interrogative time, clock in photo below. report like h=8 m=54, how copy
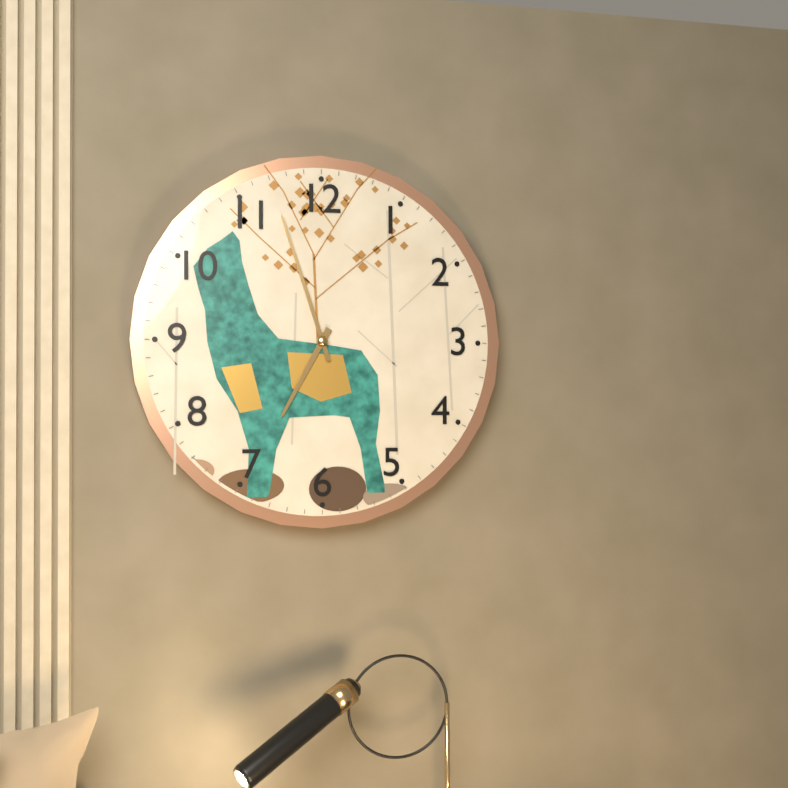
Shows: h=6 m=57
